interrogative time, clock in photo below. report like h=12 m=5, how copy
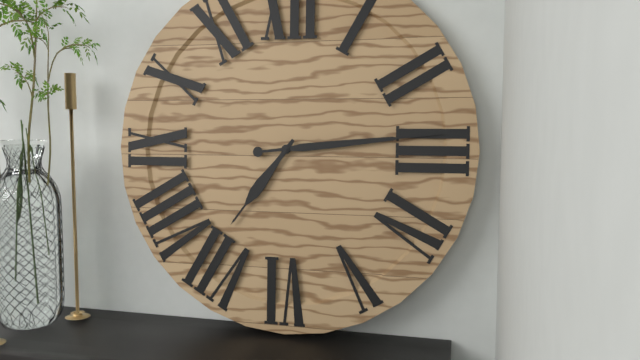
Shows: h=7 m=14
